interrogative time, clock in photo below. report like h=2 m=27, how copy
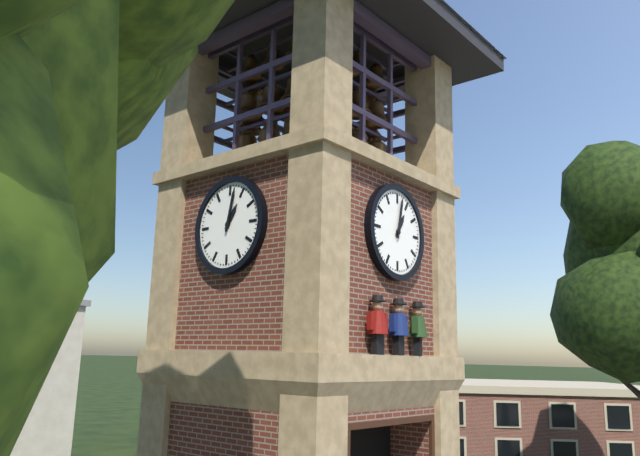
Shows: h=1 m=2
